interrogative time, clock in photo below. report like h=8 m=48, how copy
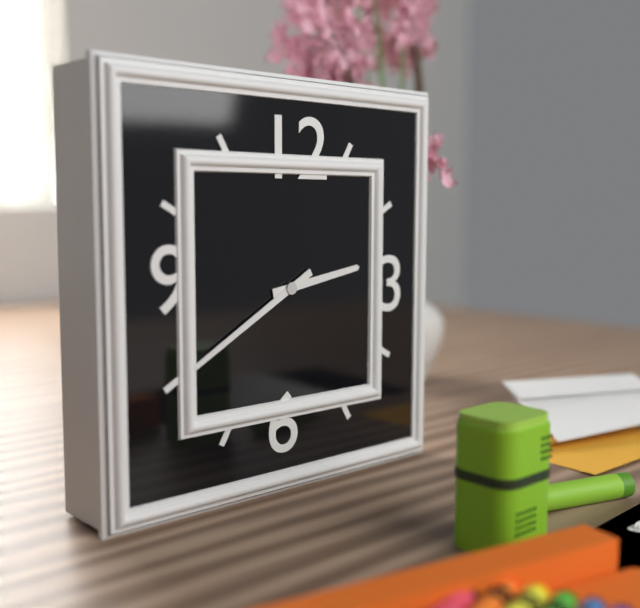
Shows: h=2 m=40
